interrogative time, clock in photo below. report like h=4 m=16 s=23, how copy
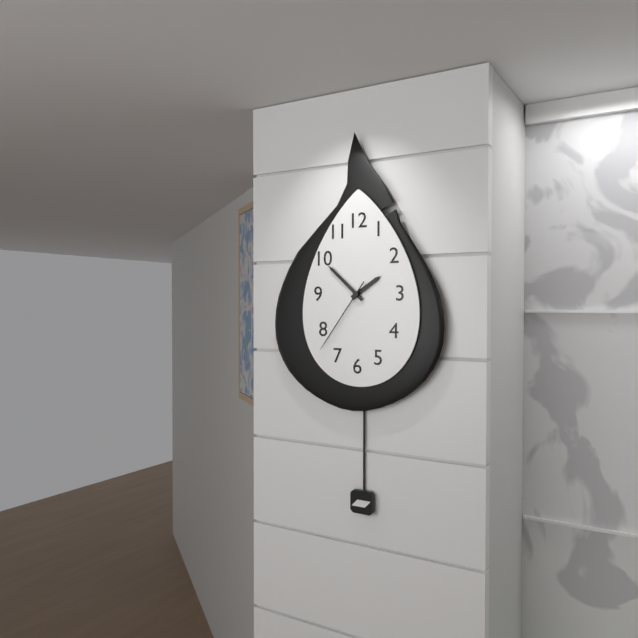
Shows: h=1 m=52 s=36
